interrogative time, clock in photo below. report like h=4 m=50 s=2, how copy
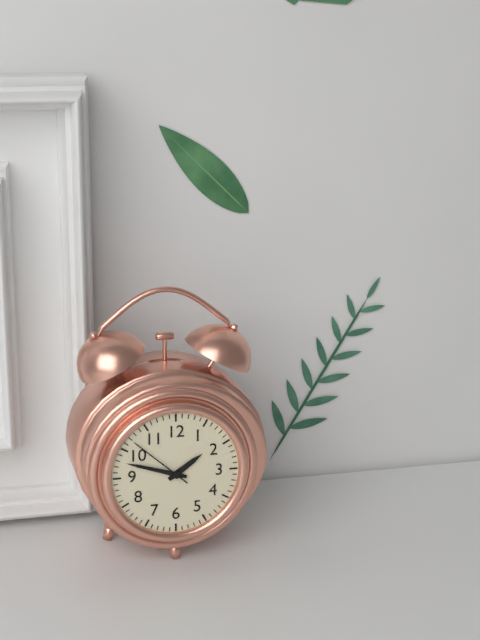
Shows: h=1 m=48 s=52
